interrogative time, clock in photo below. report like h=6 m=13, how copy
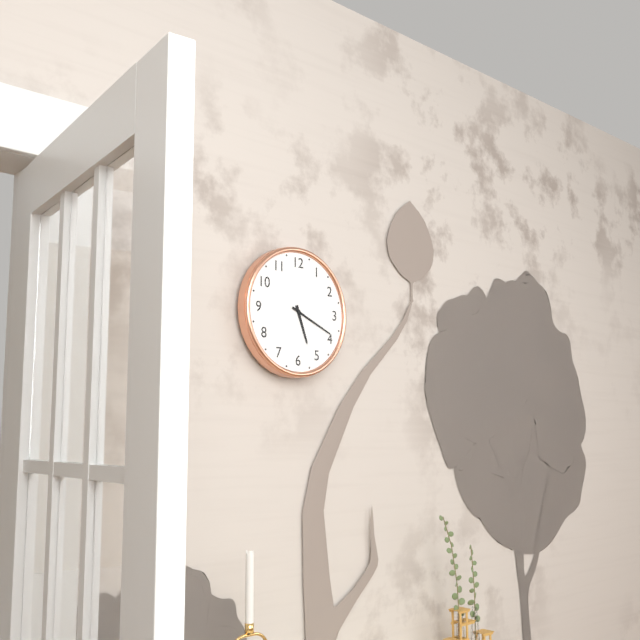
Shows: h=5 m=19
